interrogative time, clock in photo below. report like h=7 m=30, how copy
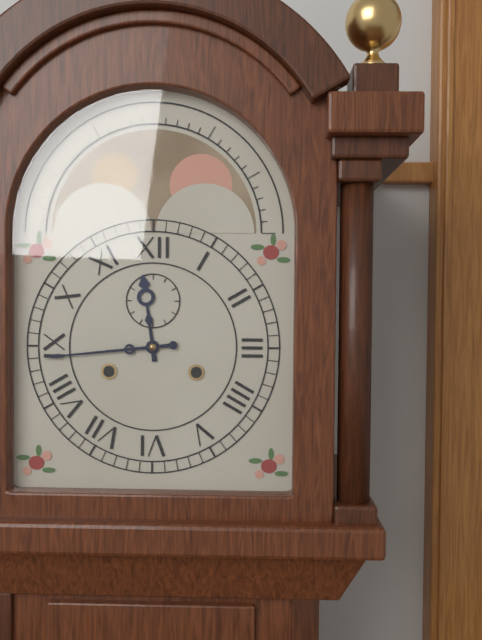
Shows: h=11 m=44
